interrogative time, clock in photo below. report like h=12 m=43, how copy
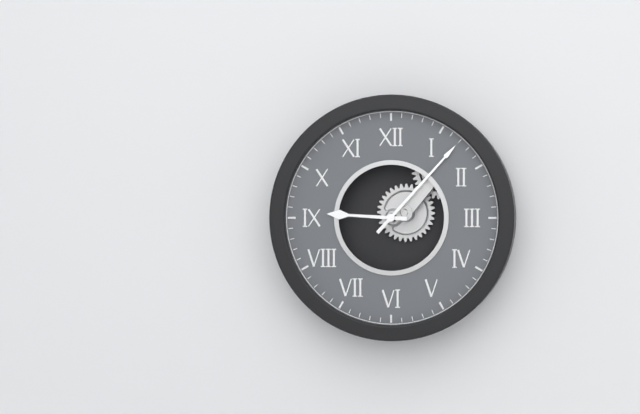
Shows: h=9 m=7
